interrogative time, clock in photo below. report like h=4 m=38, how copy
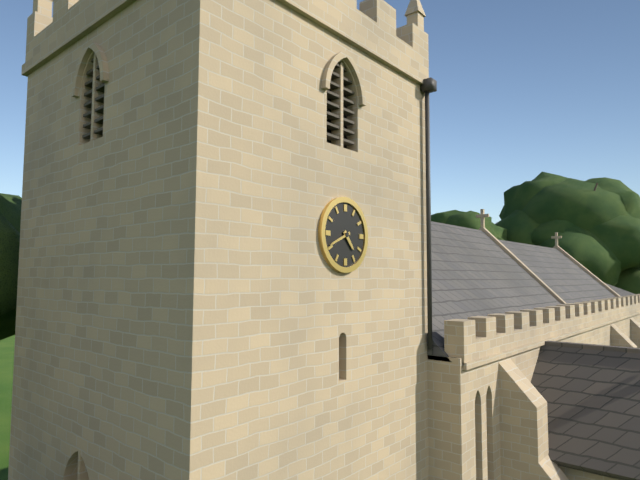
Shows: h=4 m=41
